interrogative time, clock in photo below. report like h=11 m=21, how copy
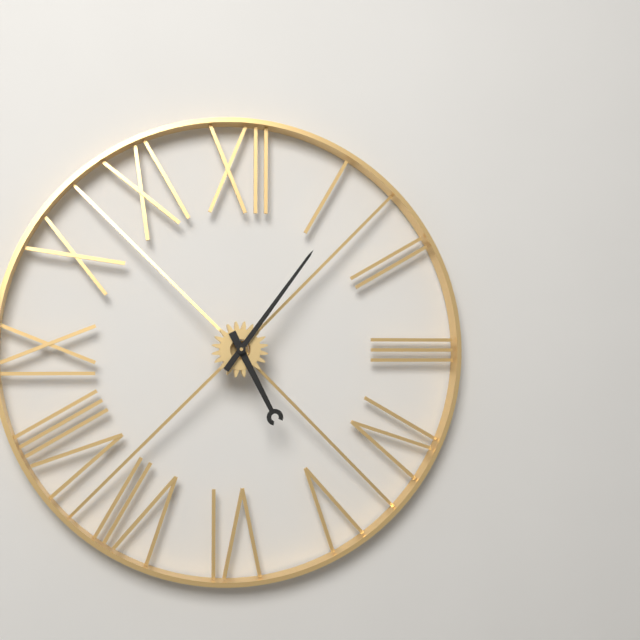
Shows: h=5 m=6
